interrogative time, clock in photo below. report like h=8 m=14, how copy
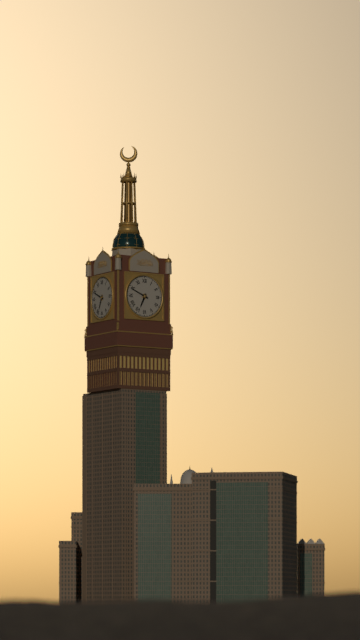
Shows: h=6 m=49
